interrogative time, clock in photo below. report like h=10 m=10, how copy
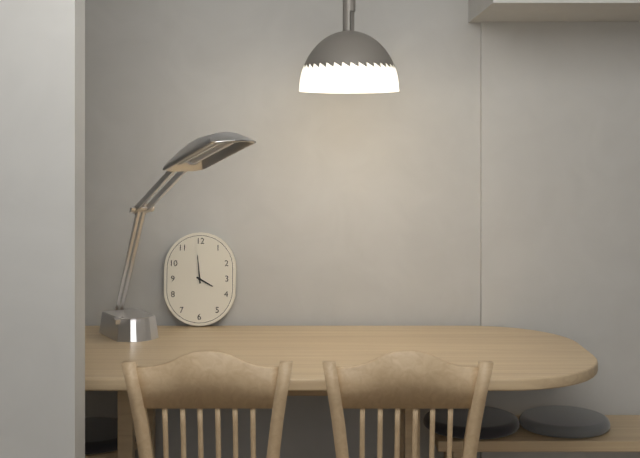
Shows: h=3 m=59
